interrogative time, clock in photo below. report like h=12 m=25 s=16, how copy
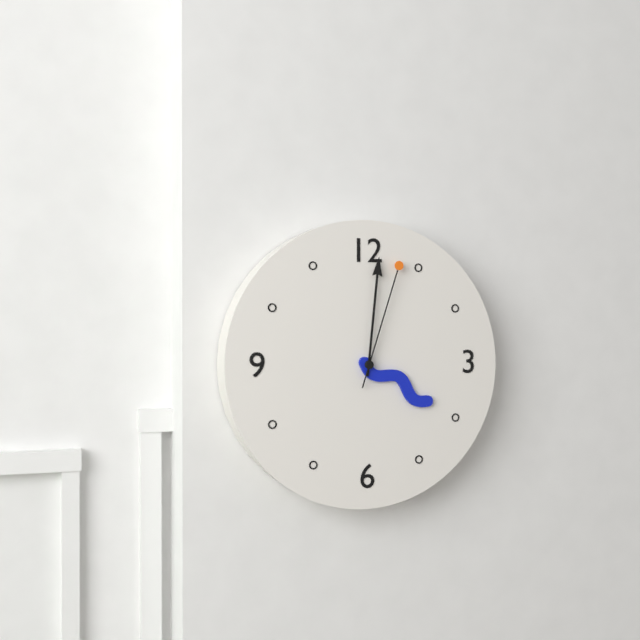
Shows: h=4 m=1 s=3
